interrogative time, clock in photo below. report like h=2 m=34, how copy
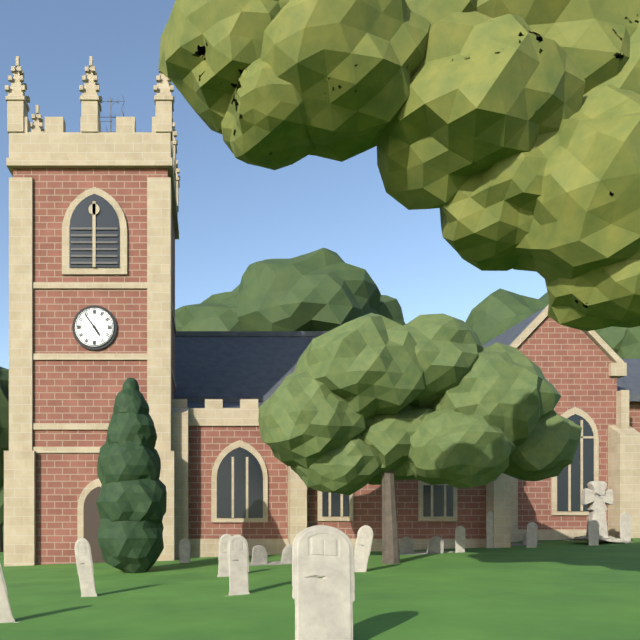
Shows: h=4 m=54
